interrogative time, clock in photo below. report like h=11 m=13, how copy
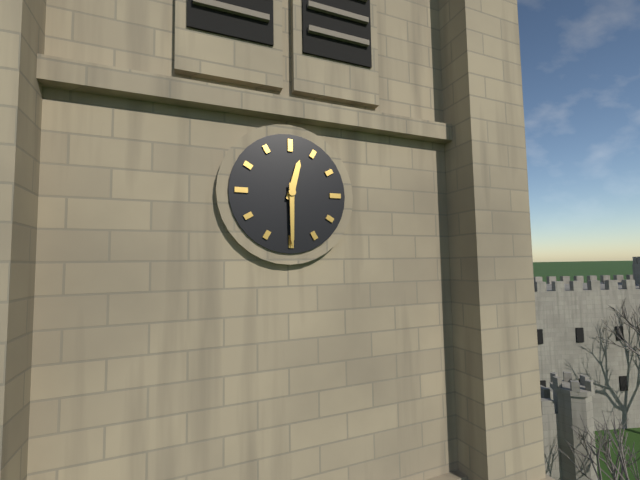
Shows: h=12 m=30
